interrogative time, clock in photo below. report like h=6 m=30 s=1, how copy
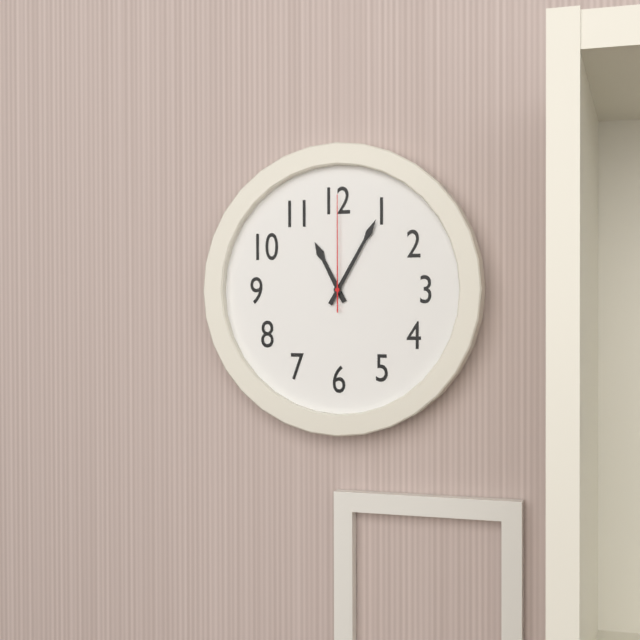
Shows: h=11 m=5 s=0
